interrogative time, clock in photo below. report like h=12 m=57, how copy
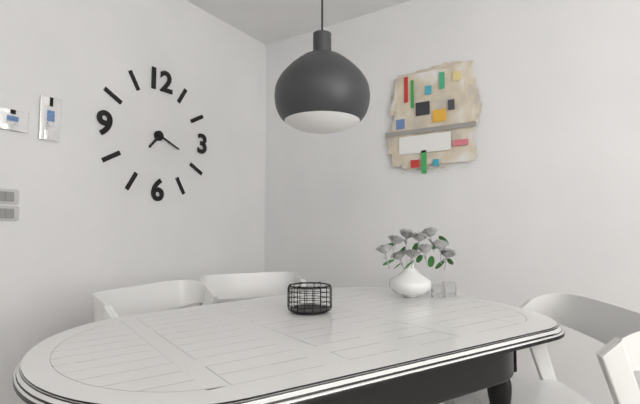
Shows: h=7 m=19
